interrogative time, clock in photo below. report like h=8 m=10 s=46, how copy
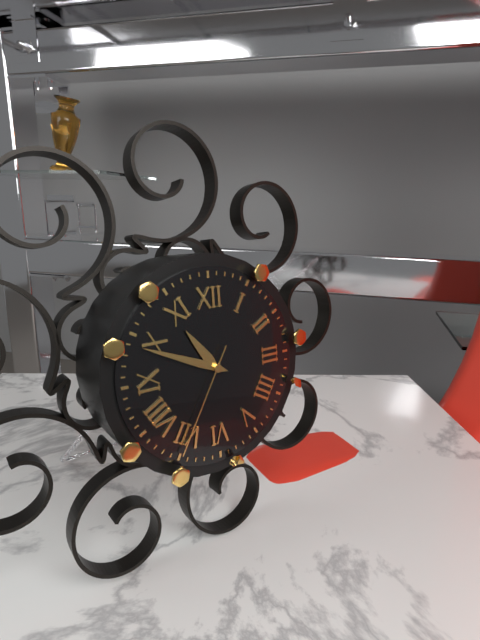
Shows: h=10 m=49 s=35
